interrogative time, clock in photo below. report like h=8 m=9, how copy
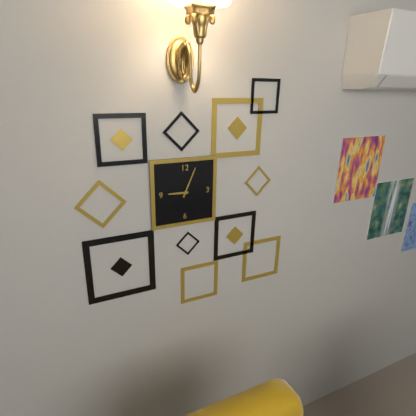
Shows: h=9 m=4
